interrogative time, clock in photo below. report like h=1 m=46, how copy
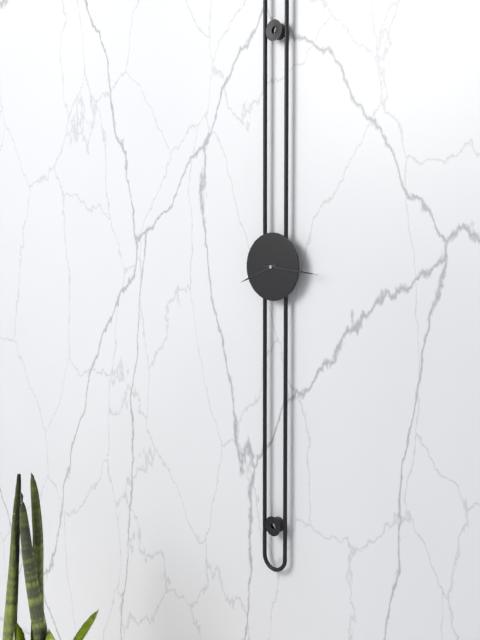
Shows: h=8 m=16
